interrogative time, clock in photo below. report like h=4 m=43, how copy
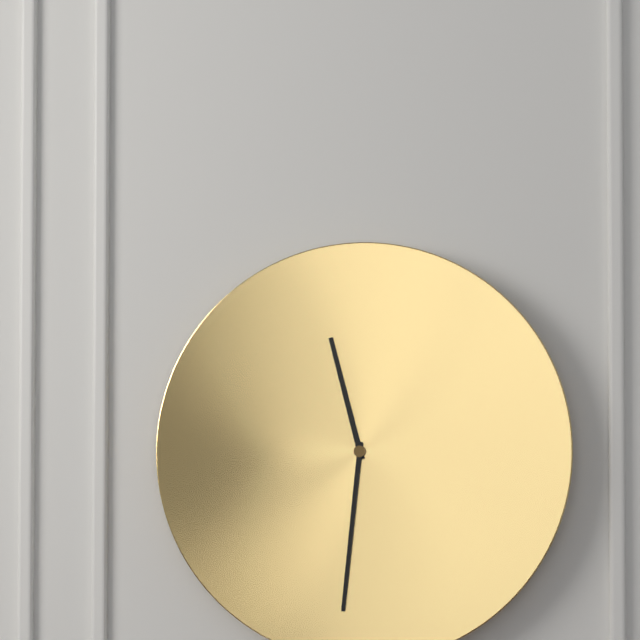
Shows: h=11 m=31
